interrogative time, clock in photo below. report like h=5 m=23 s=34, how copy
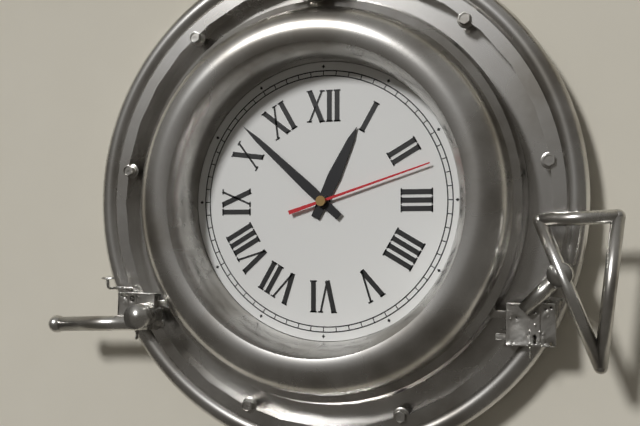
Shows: h=12 m=52 s=12
